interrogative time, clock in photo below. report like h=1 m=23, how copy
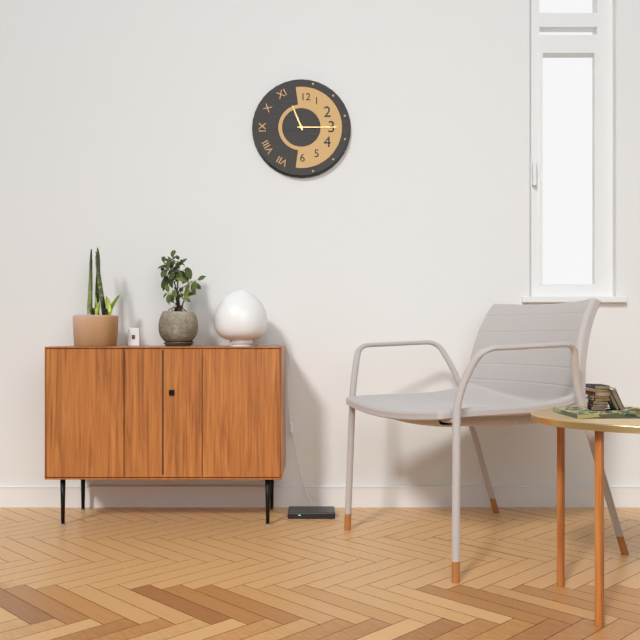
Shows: h=11 m=15
